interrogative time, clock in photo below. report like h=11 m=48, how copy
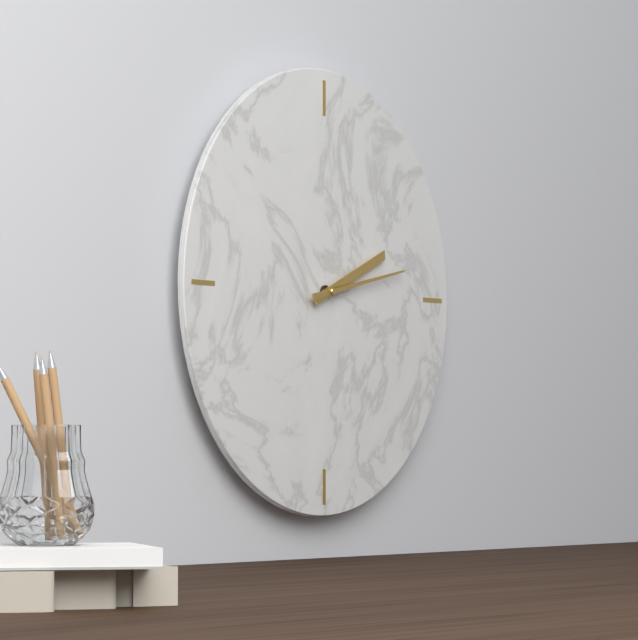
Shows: h=2 m=13
